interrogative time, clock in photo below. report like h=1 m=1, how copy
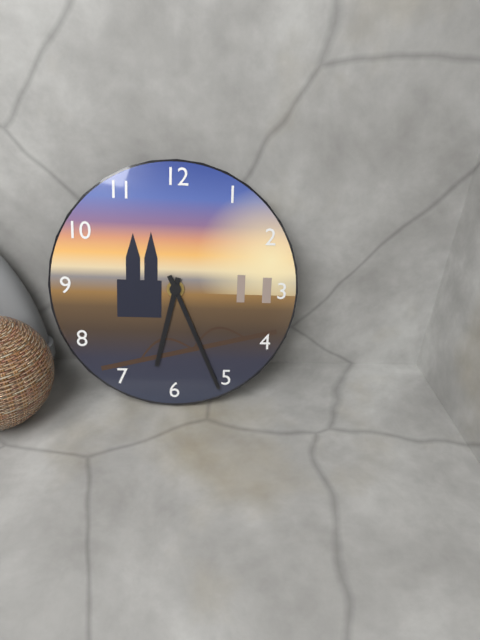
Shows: h=6 m=26
